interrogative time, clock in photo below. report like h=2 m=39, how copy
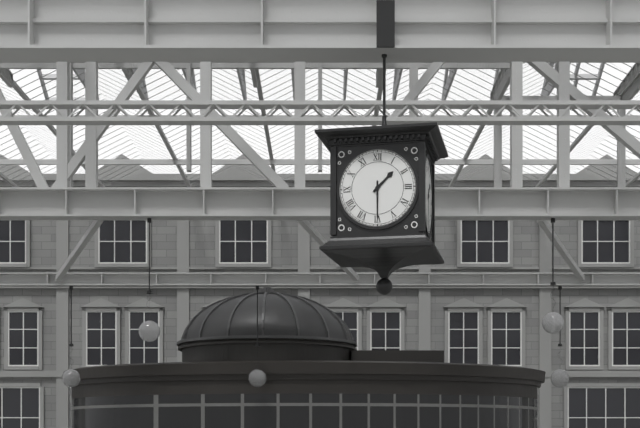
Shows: h=1 m=30
